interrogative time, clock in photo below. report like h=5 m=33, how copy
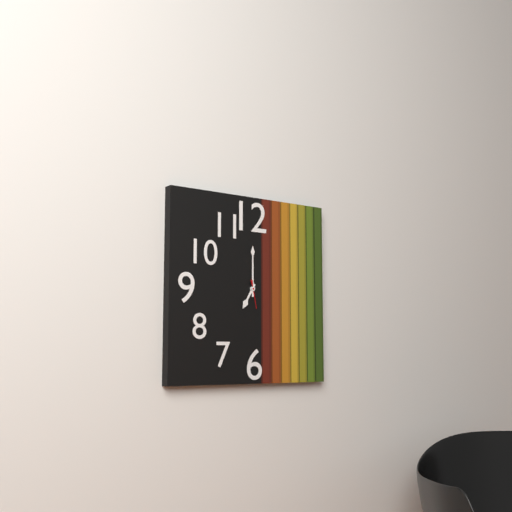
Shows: h=7 m=0
